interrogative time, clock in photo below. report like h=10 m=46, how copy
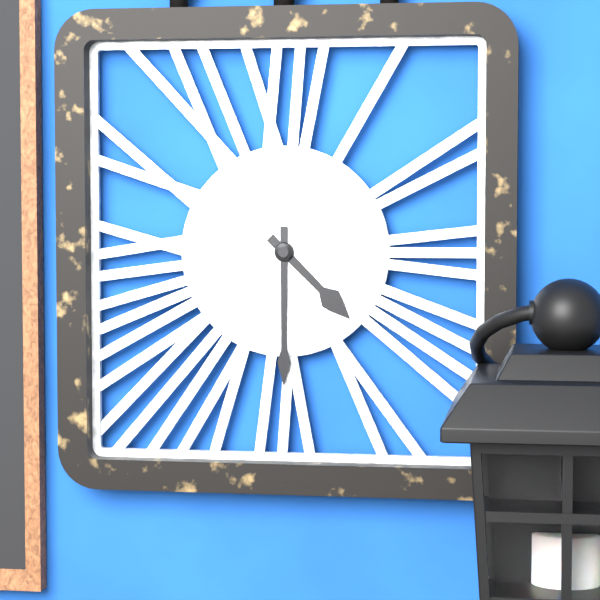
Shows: h=4 m=30
